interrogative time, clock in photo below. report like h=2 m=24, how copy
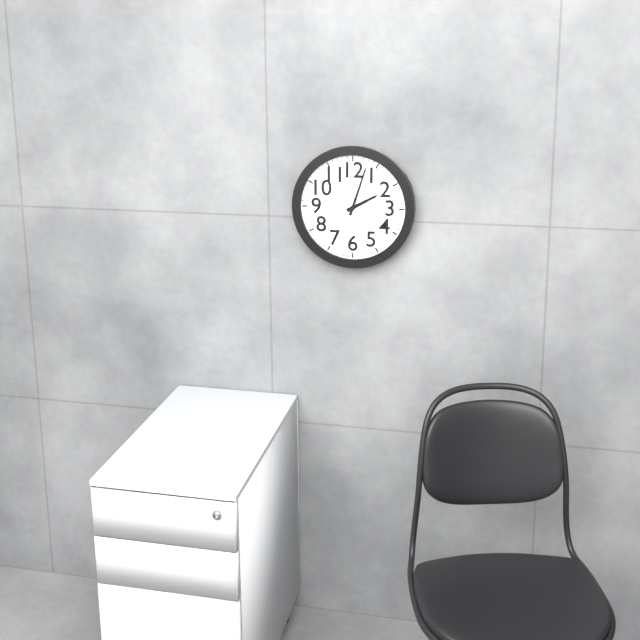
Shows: h=2 m=3
